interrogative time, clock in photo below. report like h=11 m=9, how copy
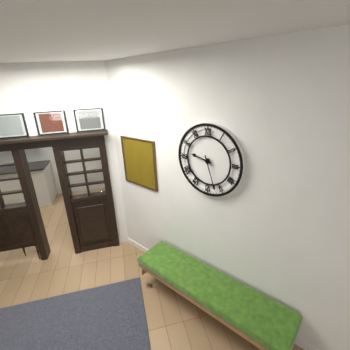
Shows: h=9 m=27
